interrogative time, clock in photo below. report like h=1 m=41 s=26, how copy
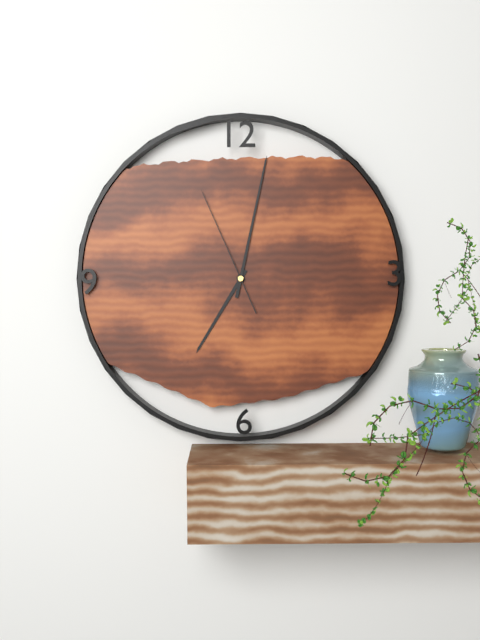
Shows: h=7 m=2 s=56
